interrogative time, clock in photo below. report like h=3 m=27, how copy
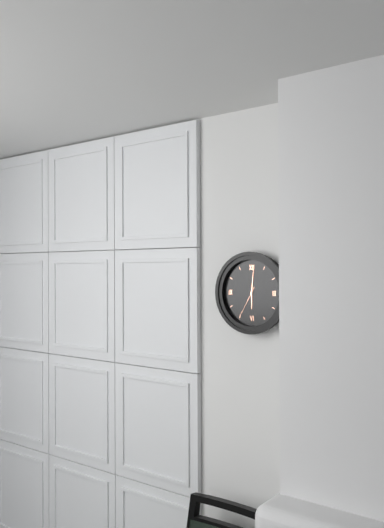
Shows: h=6 m=1
